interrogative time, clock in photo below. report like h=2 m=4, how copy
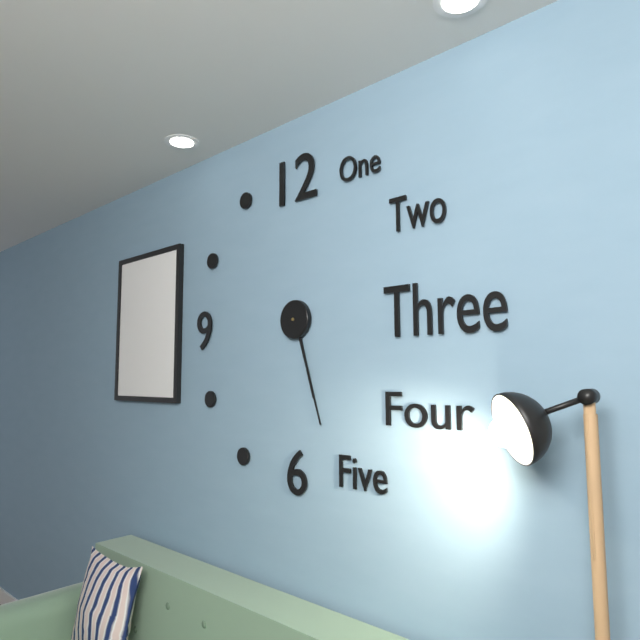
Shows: h=5 m=27
